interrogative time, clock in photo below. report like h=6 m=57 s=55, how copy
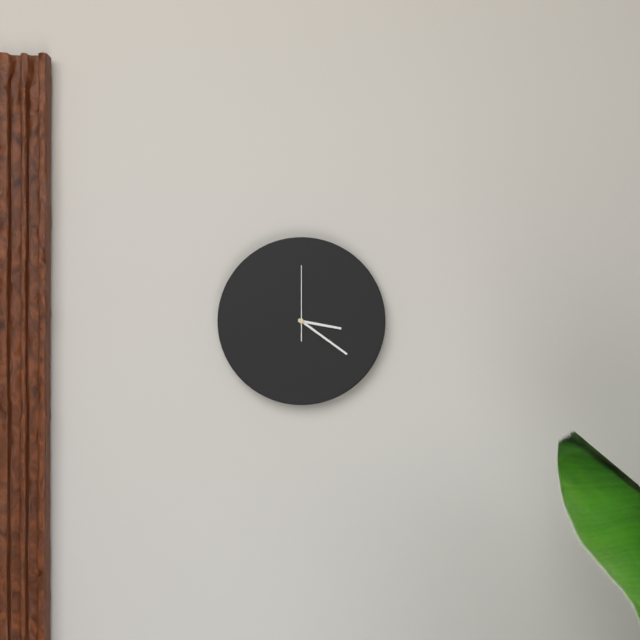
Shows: h=3 m=21 s=0
